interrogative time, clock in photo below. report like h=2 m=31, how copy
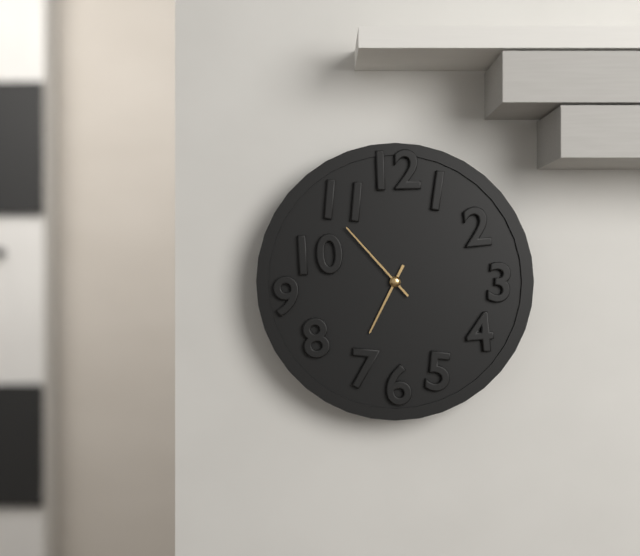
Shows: h=6 m=53
